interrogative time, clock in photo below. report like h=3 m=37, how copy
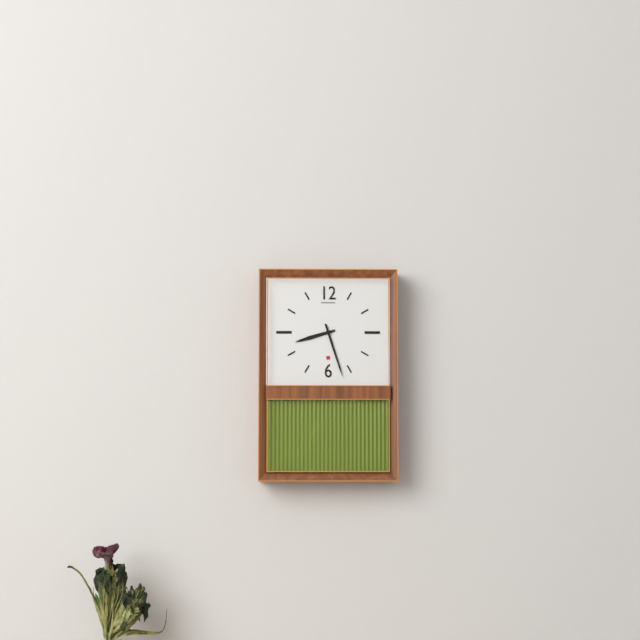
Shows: h=8 m=27
